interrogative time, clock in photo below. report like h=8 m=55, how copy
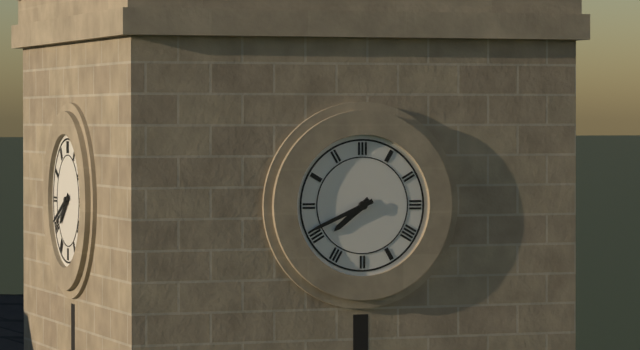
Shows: h=7 m=41
